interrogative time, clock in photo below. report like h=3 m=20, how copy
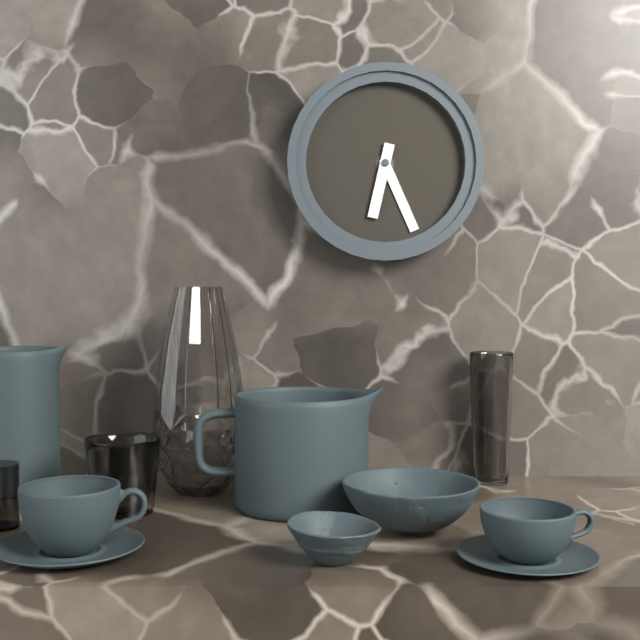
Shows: h=6 m=26
